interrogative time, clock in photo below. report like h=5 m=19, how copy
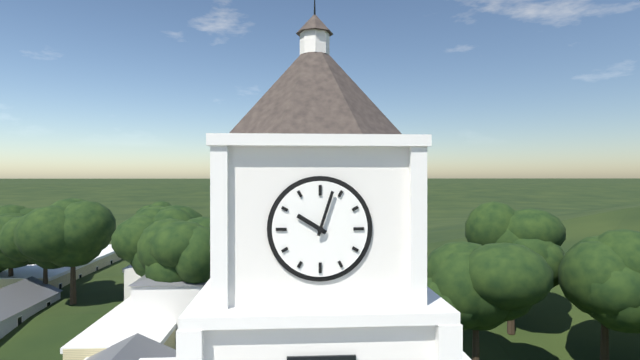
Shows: h=10 m=3
